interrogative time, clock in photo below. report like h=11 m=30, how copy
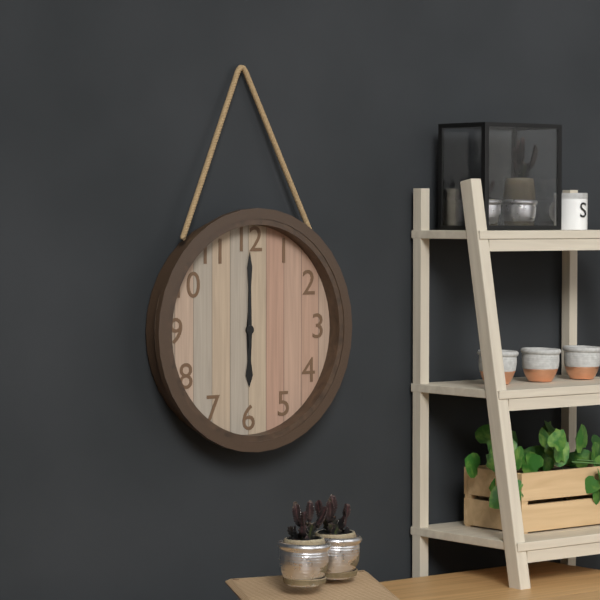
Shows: h=6 m=0
